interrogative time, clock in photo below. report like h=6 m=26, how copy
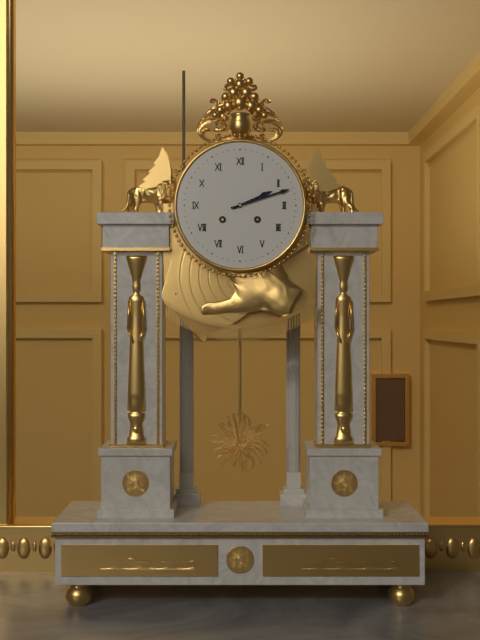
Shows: h=2 m=12
